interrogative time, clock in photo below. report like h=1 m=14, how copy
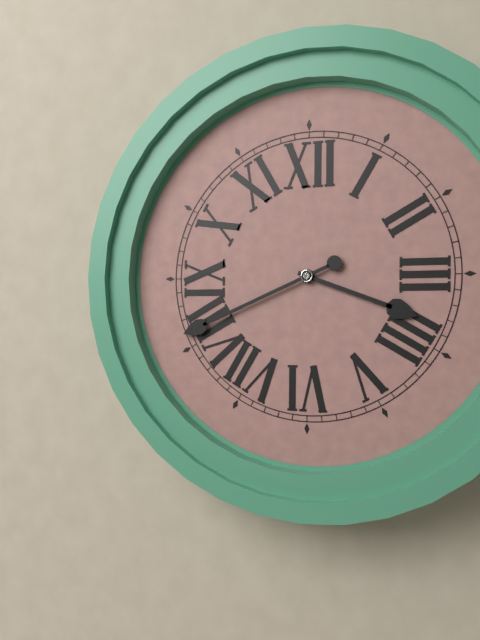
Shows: h=3 m=41
